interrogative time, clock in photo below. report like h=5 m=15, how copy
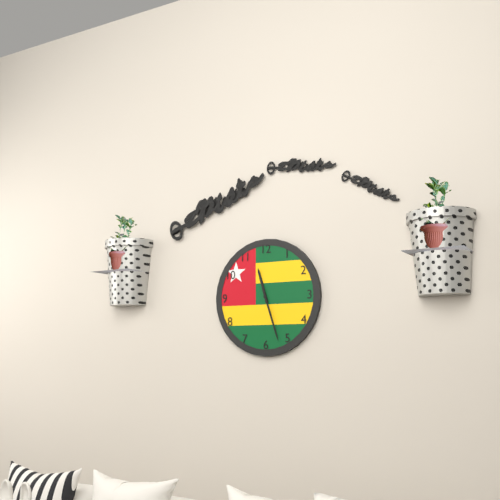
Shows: h=11 m=27
